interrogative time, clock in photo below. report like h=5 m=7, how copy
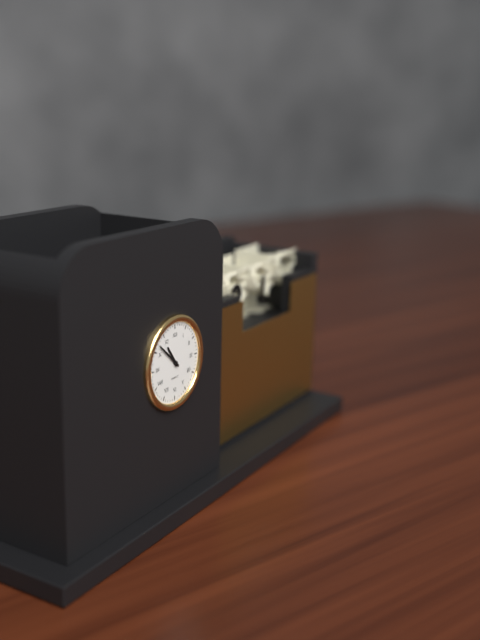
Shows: h=10 m=52
